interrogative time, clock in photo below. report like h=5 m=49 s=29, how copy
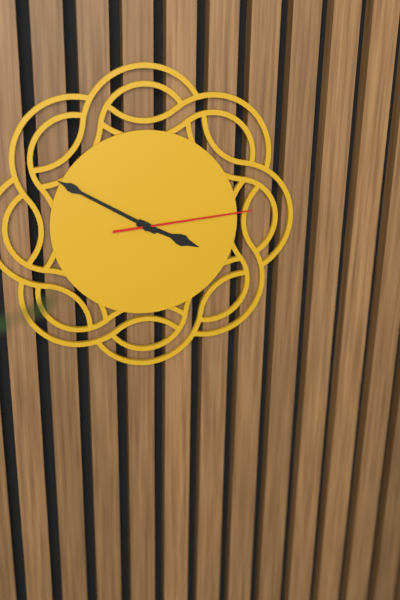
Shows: h=3 m=50 s=14
